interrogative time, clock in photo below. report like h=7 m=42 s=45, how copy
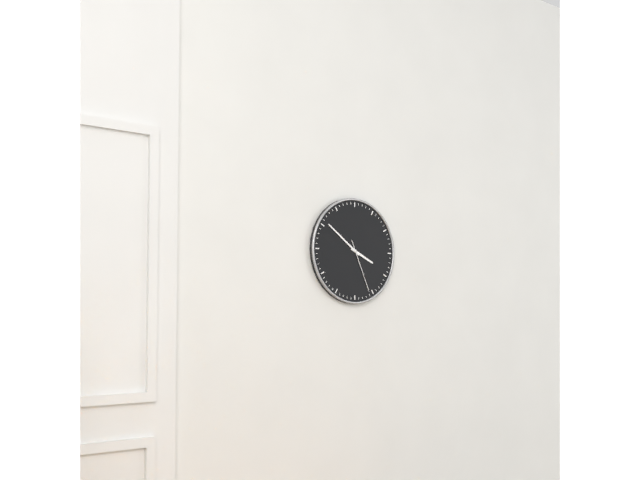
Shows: h=3 m=51 s=26
